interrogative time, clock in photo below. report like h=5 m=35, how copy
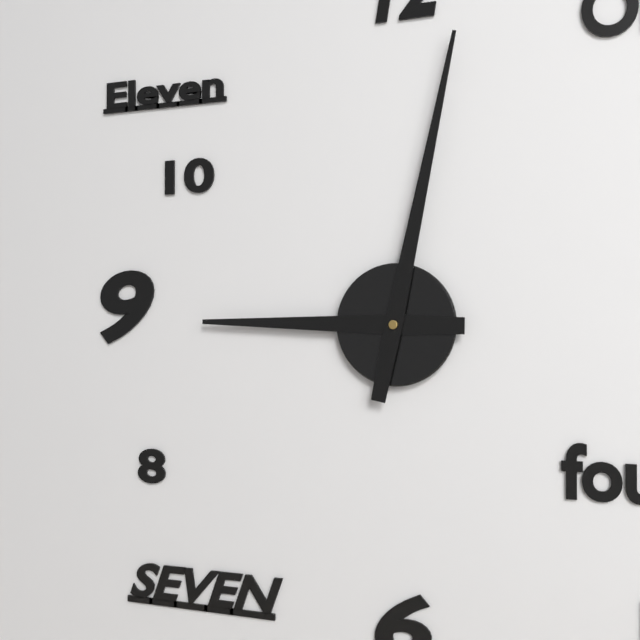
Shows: h=9 m=2
